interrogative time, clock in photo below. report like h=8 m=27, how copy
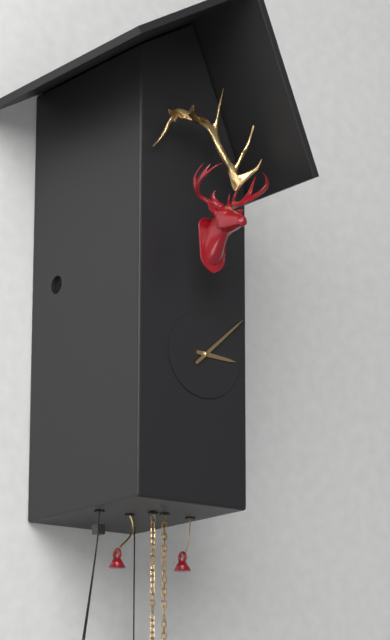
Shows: h=3 m=8
